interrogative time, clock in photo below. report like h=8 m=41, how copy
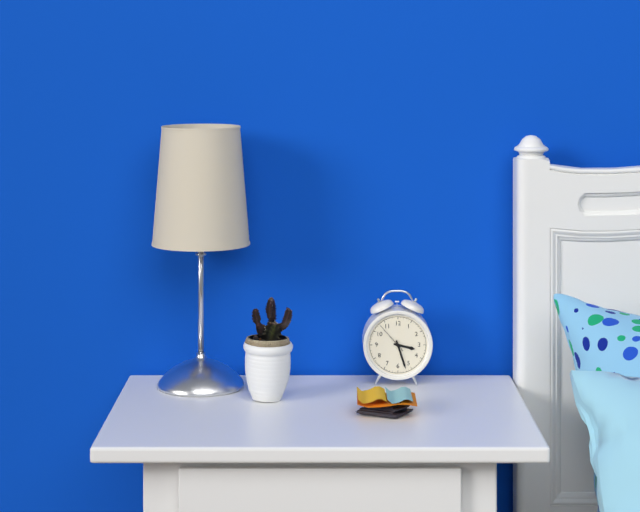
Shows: h=3 m=27
